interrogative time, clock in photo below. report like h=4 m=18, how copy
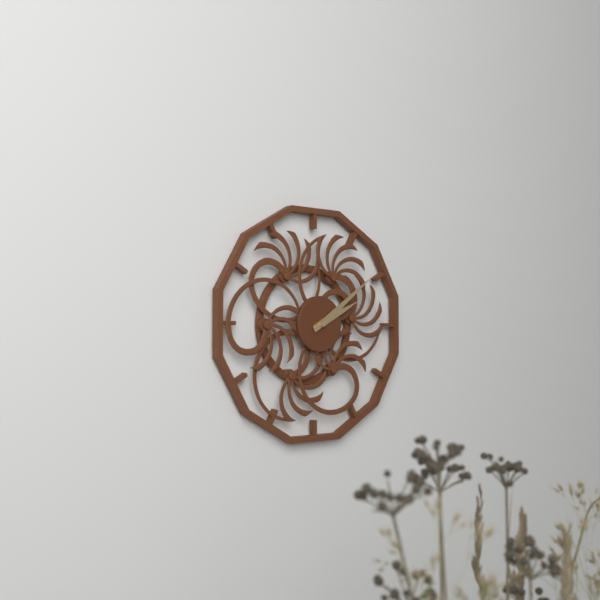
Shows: h=2 m=9
